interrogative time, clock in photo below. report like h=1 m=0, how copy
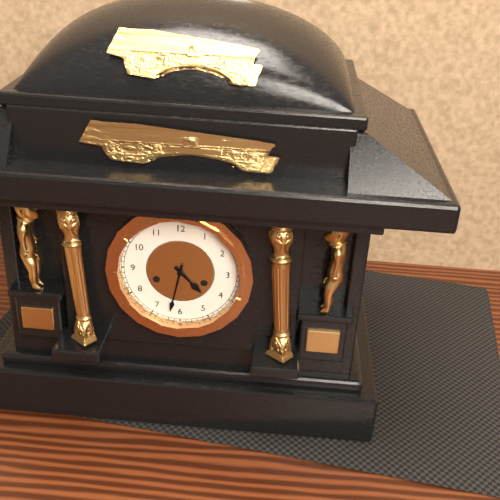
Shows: h=4 m=32
